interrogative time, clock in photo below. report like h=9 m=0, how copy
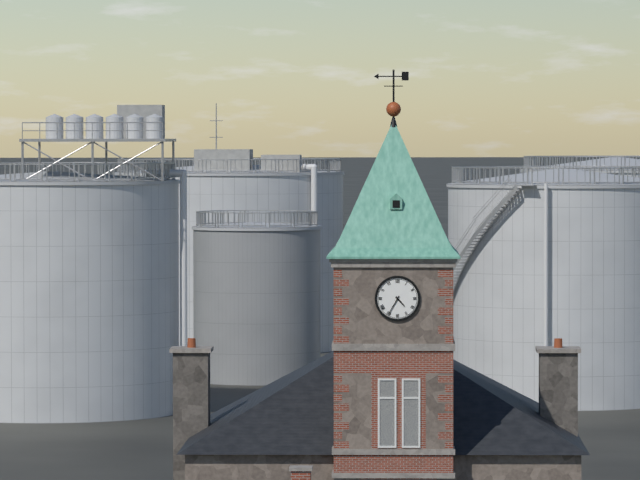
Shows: h=4 m=35
